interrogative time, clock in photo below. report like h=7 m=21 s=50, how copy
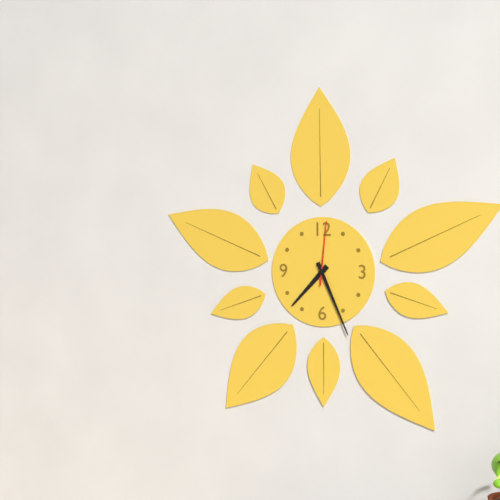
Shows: h=7 m=26 s=1
